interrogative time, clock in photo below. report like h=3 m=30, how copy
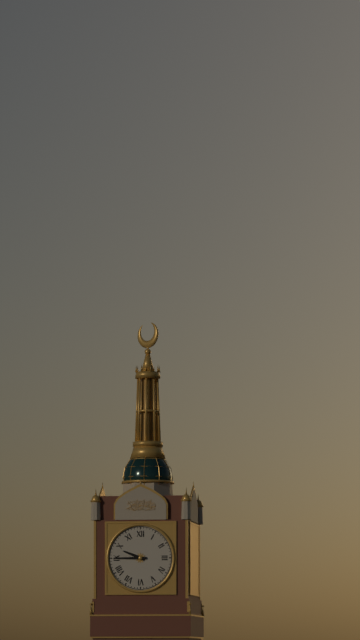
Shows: h=9 m=45
